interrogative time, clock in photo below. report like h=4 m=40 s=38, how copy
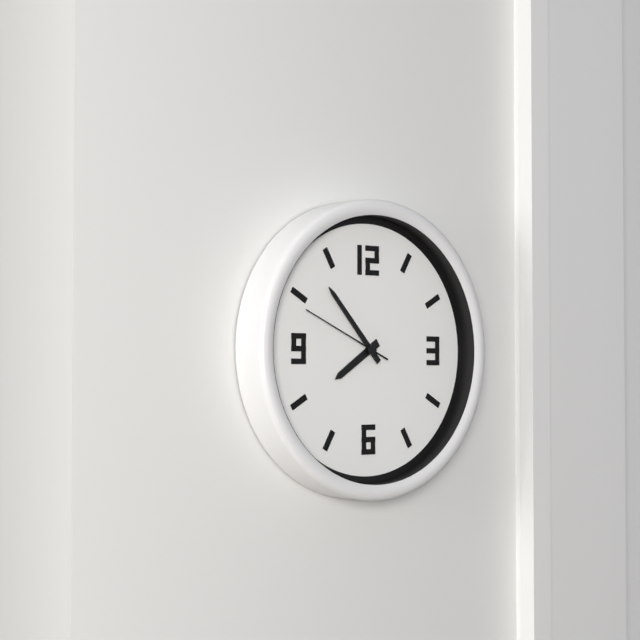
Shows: h=7 m=53 s=49
